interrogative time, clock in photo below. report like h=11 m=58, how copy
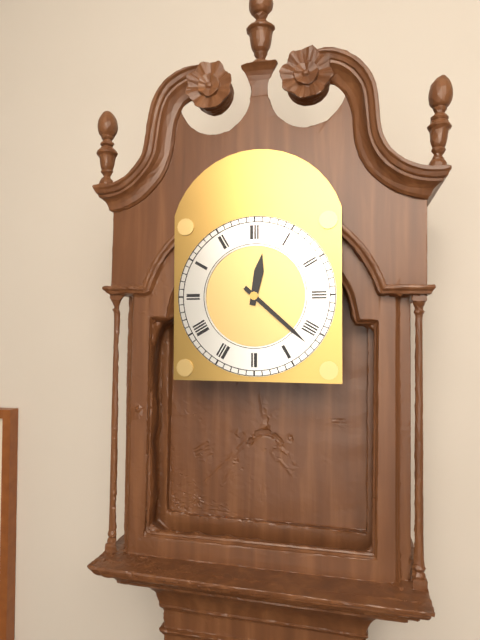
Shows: h=12 m=22
